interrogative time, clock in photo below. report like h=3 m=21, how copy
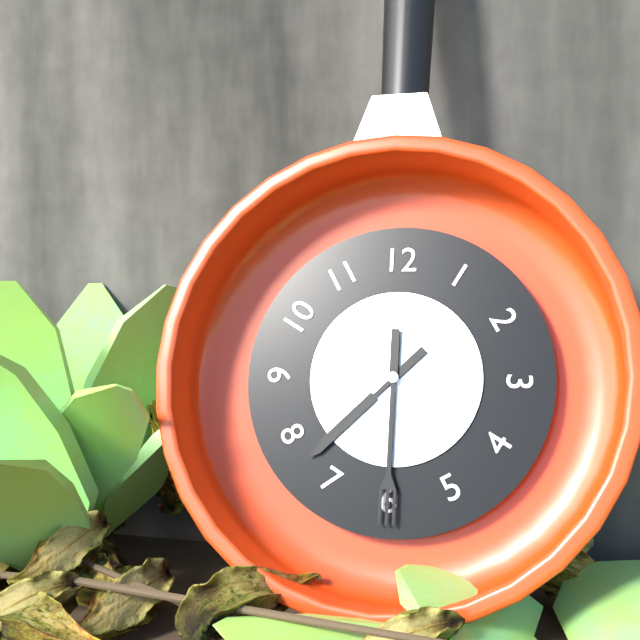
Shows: h=7 m=30
